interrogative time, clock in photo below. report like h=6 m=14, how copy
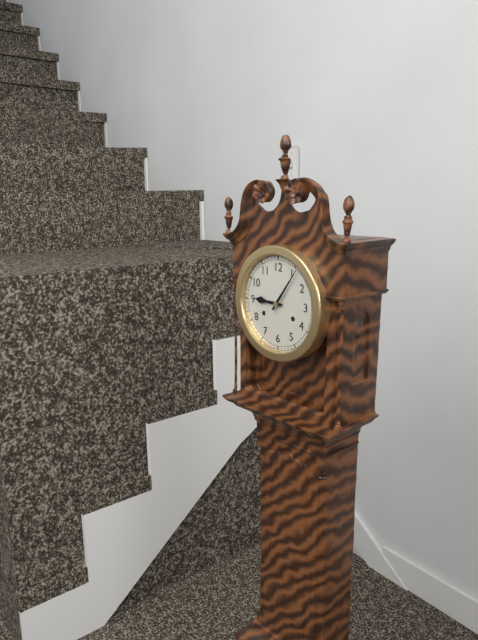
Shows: h=9 m=6
